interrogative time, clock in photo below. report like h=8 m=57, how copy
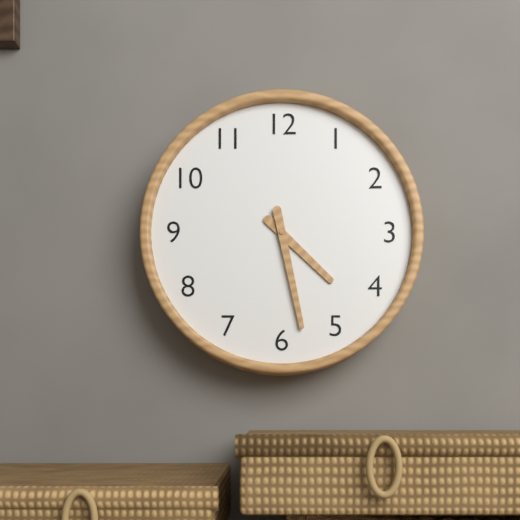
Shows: h=4 m=28
